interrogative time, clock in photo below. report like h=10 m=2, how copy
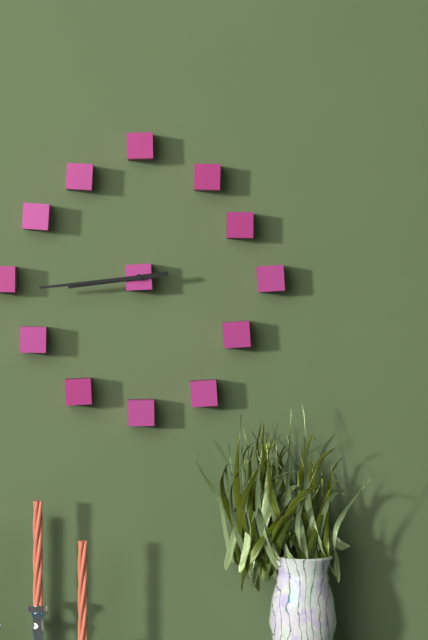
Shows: h=8 m=44
